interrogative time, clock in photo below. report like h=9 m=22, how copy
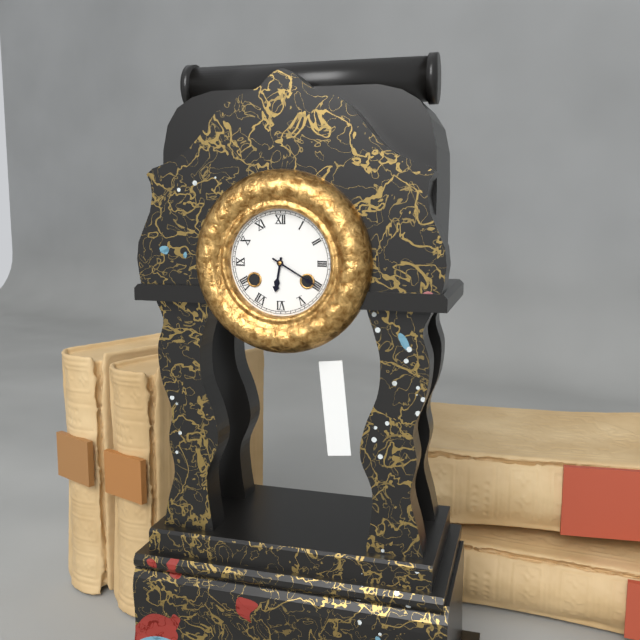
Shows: h=6 m=20
